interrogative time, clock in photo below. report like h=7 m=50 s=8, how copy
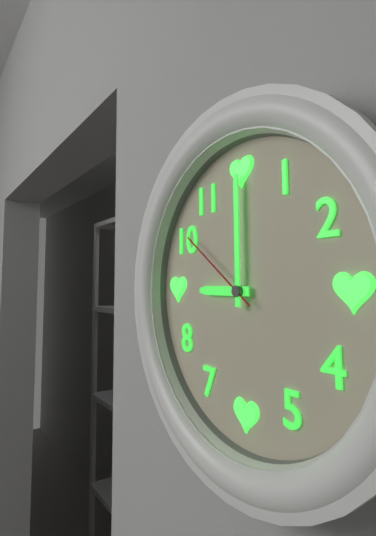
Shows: h=9 m=0 s=51
